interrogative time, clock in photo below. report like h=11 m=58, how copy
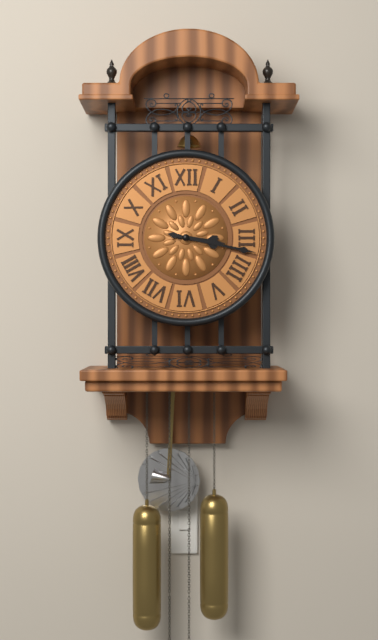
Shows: h=3 m=17
